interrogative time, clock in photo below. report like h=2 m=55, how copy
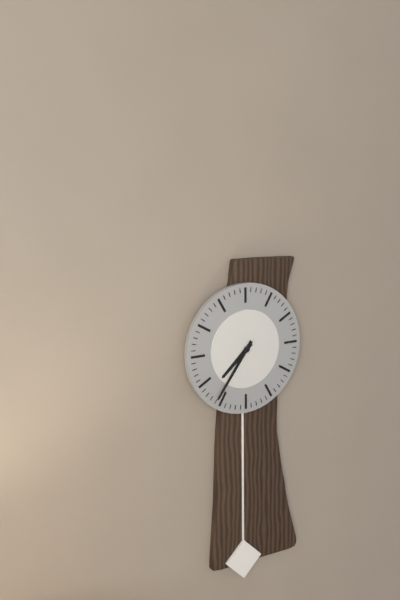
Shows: h=7 m=36
